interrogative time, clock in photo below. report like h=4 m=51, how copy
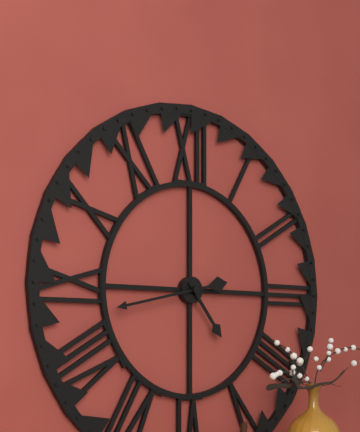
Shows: h=4 m=43
